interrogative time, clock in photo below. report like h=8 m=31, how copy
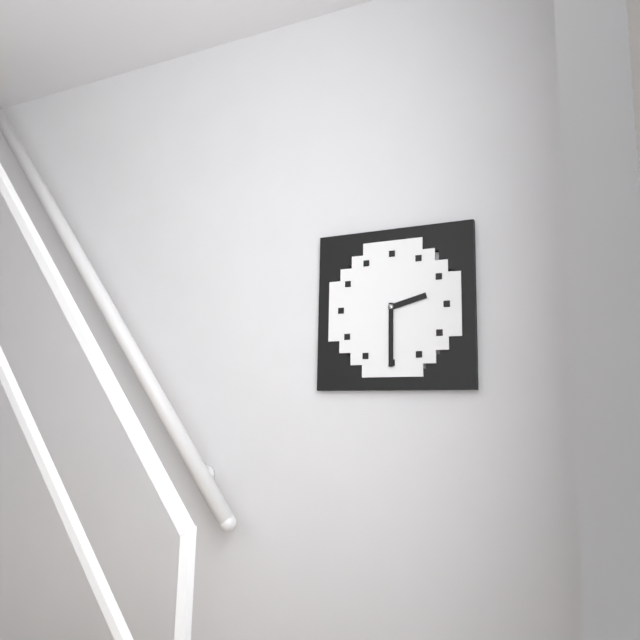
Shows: h=2 m=30
